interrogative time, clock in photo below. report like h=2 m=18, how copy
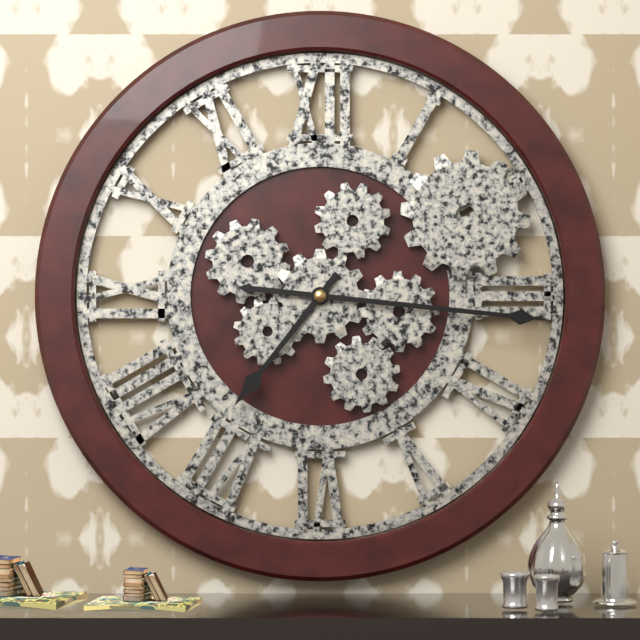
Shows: h=7 m=16
